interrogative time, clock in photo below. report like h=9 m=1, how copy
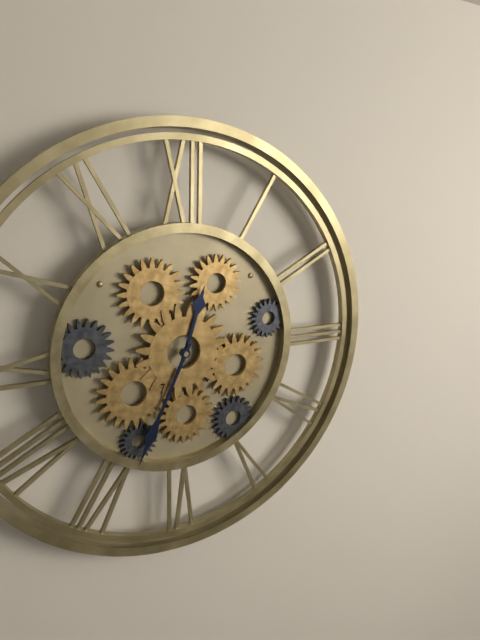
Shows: h=12 m=34
